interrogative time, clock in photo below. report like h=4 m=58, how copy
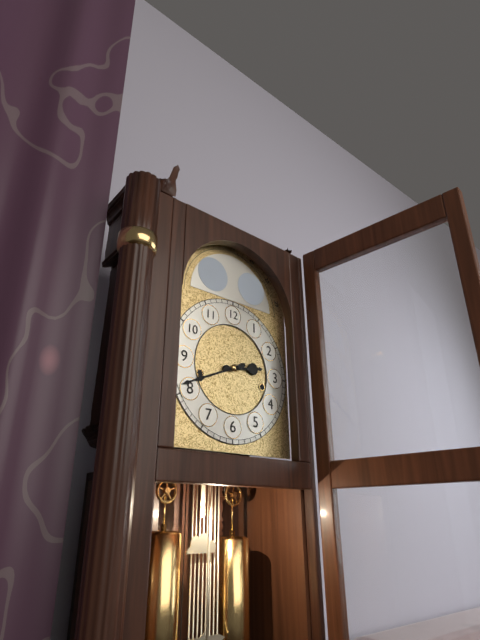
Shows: h=2 m=41
